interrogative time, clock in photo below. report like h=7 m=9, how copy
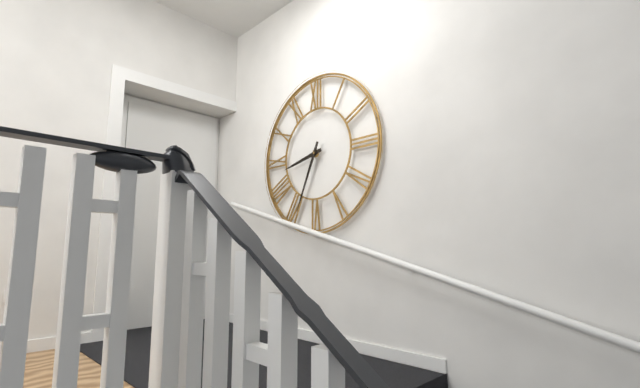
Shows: h=8 m=34
